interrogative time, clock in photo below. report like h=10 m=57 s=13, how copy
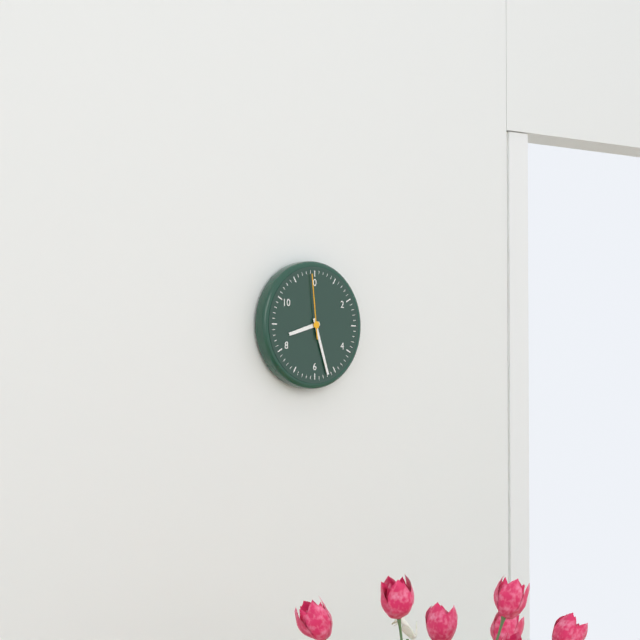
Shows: h=8 m=27 s=59
